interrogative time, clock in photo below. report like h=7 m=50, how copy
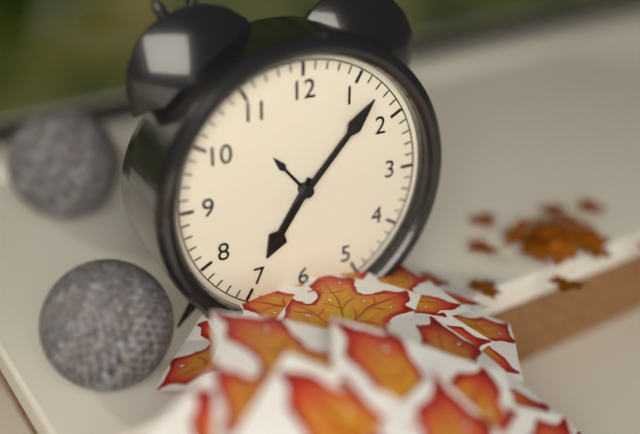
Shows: h=7 m=7
